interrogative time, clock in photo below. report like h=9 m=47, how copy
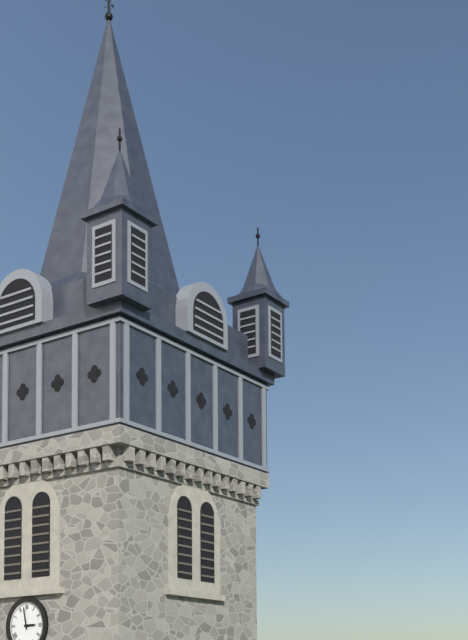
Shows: h=2 m=58
